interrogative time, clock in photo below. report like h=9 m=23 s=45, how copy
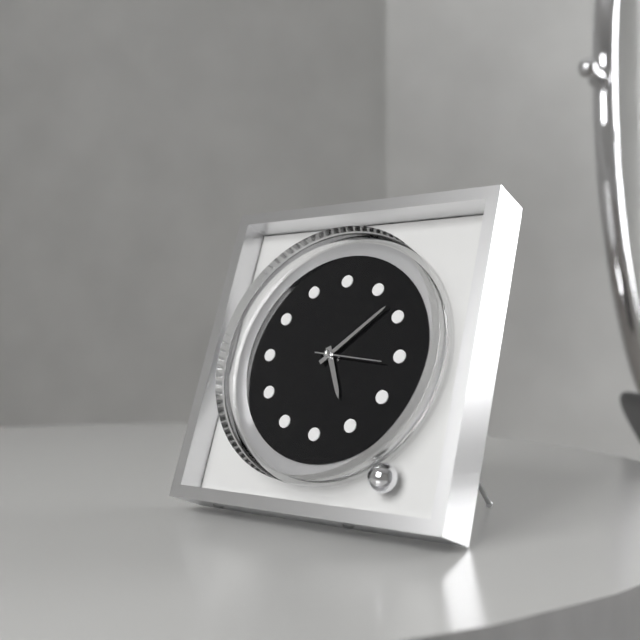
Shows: h=5 m=8 s=16
